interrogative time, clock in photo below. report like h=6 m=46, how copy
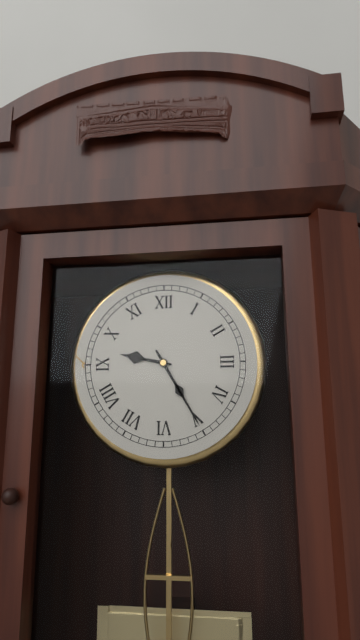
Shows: h=9 m=25
